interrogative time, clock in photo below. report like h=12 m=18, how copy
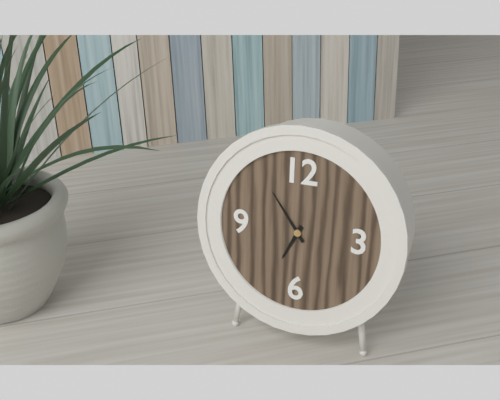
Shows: h=6 m=54
